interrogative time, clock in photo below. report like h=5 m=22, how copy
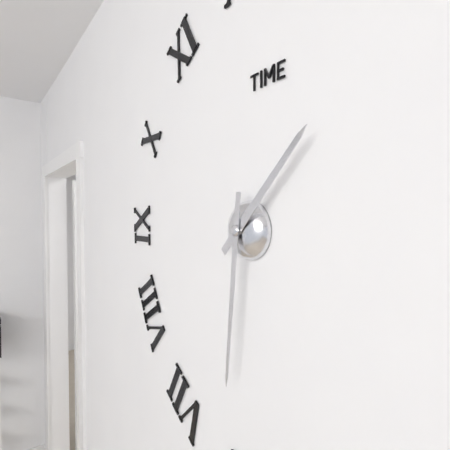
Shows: h=1 m=31
